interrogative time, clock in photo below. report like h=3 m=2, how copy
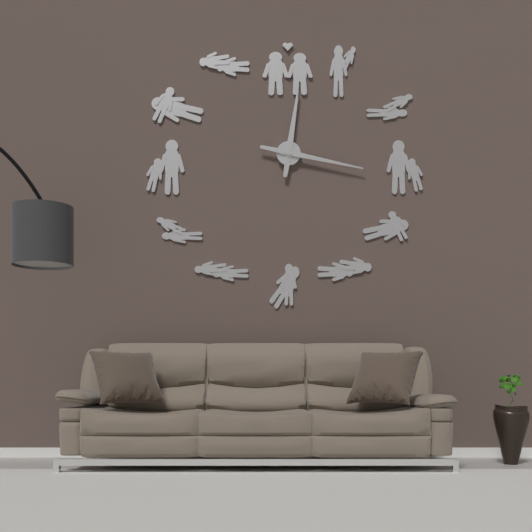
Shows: h=12 m=17
